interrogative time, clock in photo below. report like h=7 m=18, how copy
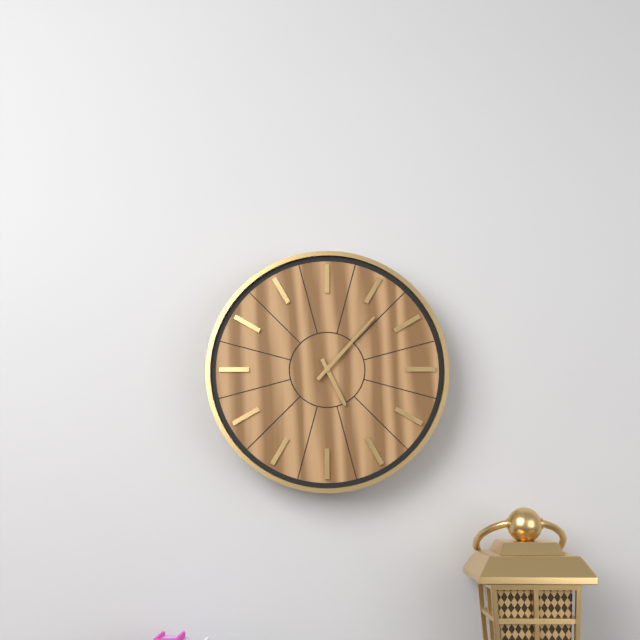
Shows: h=5 m=7
